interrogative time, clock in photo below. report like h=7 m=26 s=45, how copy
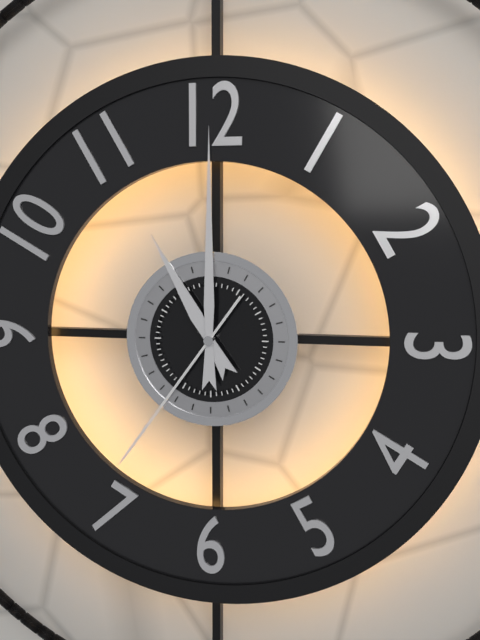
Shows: h=11 m=0 s=36
